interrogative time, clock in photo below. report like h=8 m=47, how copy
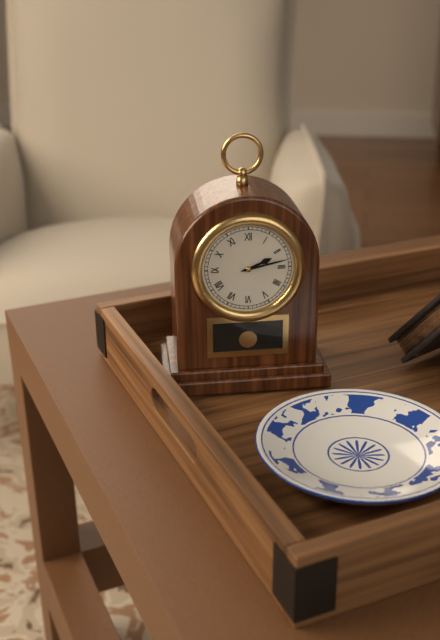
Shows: h=2 m=13
